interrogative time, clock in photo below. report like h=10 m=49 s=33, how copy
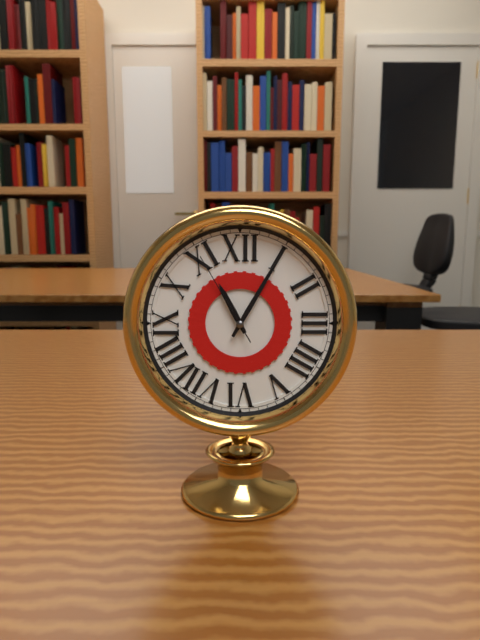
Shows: h=11 m=5 s=55
